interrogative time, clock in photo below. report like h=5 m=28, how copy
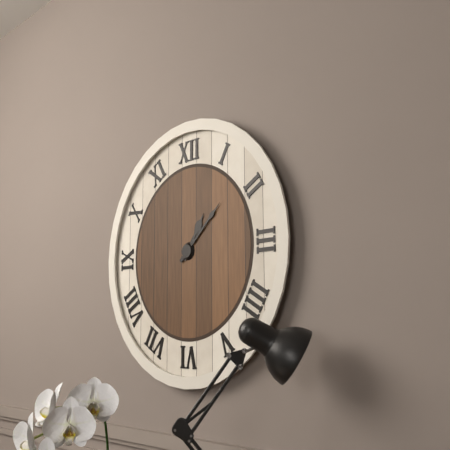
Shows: h=1 m=8
